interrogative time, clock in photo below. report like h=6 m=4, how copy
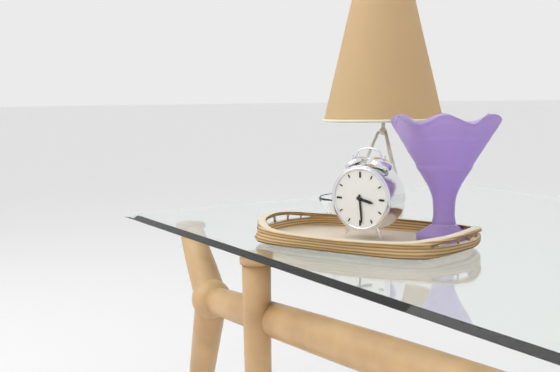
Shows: h=3 m=29
